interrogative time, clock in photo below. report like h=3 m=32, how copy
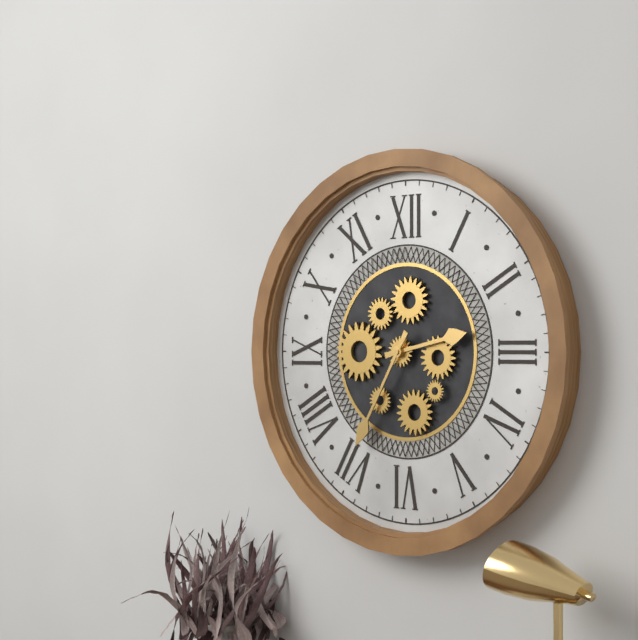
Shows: h=2 m=35
